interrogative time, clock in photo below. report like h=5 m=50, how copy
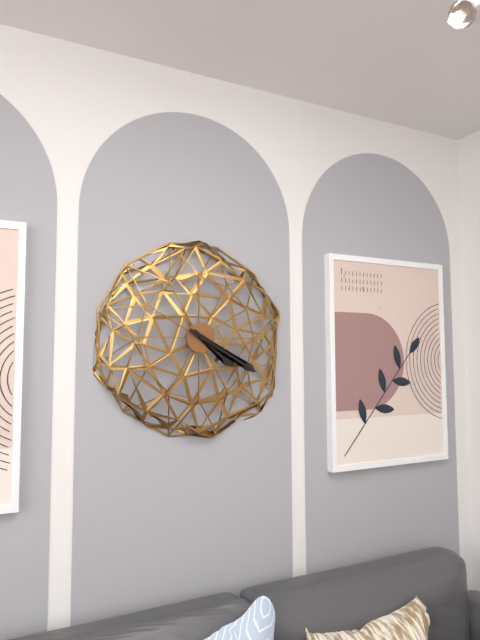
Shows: h=4 m=20
